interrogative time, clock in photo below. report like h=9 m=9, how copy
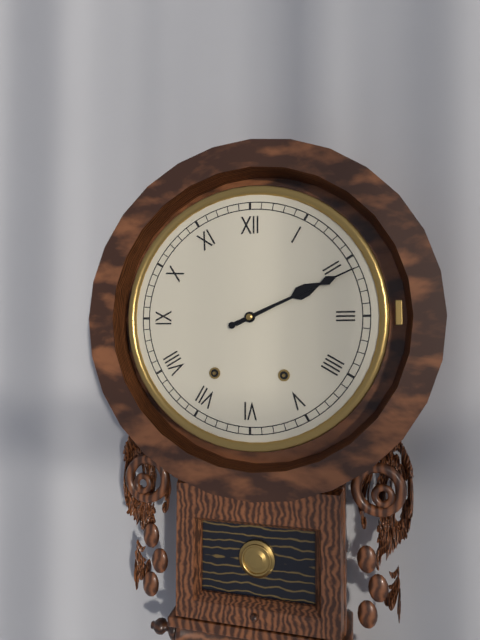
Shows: h=2 m=11
